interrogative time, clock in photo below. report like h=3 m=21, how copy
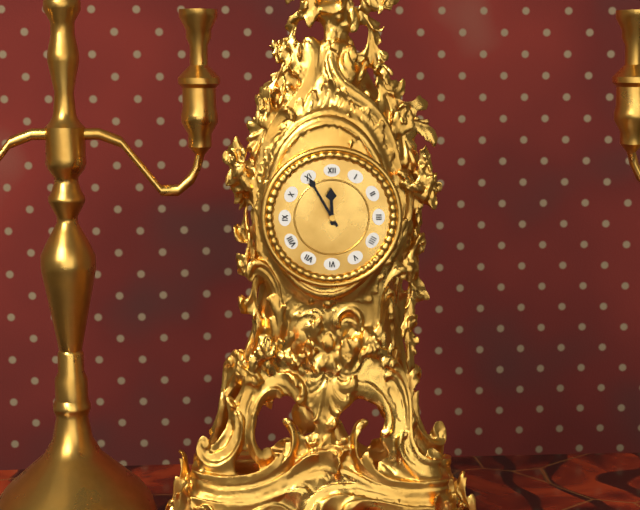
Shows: h=11 m=55
